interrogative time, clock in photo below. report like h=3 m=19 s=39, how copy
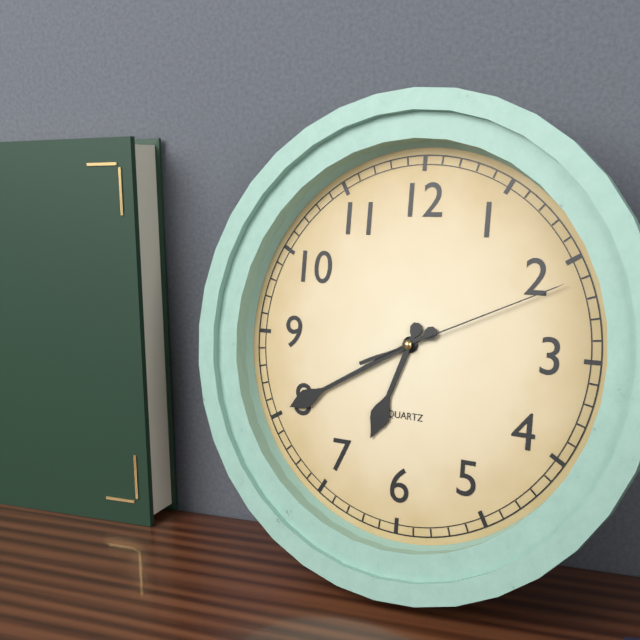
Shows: h=6 m=40 s=11
